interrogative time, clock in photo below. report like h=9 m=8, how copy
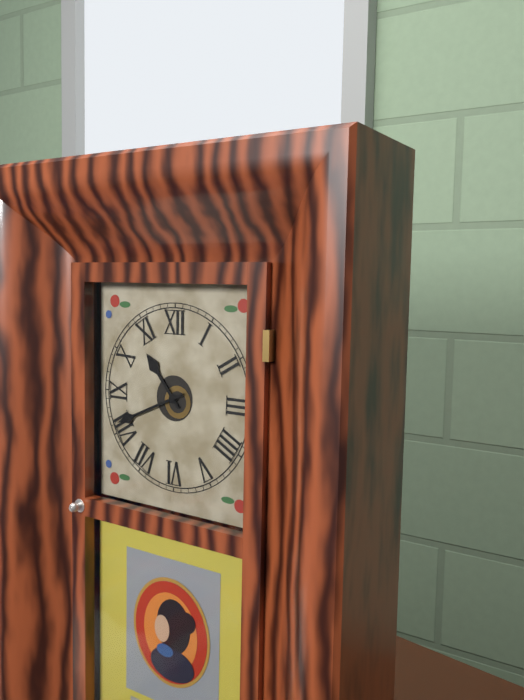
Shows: h=10 m=41
